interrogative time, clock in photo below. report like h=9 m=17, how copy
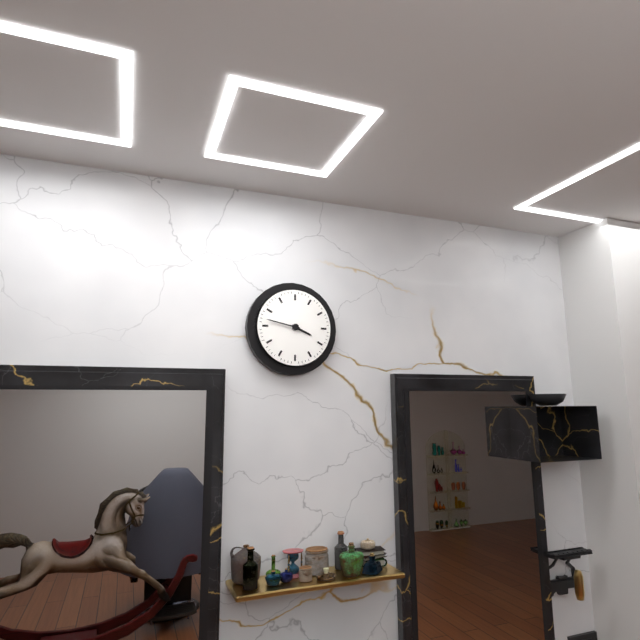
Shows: h=3 m=47
